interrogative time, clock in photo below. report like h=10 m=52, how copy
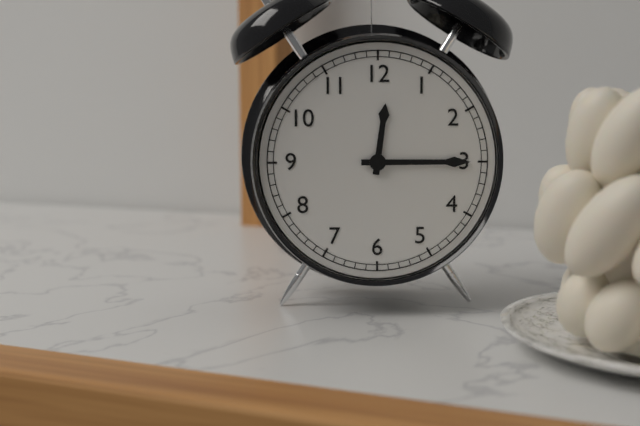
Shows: h=12 m=15
